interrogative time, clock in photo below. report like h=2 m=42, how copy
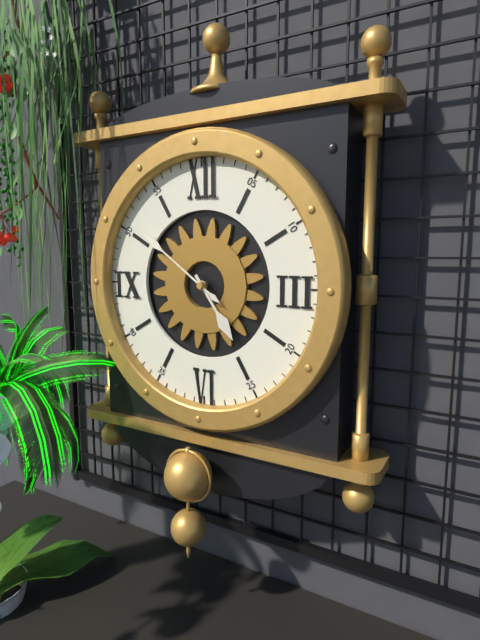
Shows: h=4 m=51
